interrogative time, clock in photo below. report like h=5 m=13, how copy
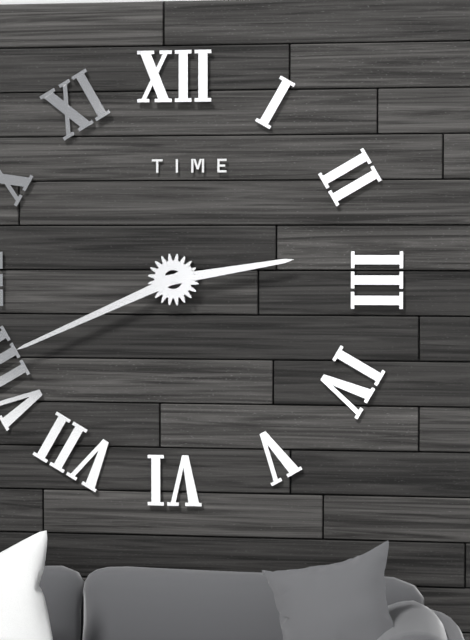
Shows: h=2 m=41
